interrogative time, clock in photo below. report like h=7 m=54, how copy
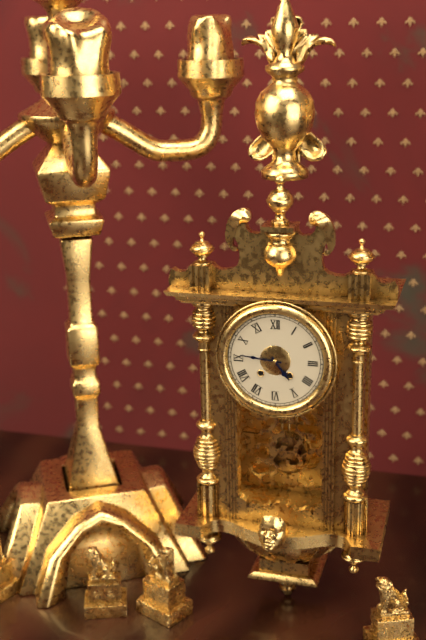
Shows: h=4 m=46
